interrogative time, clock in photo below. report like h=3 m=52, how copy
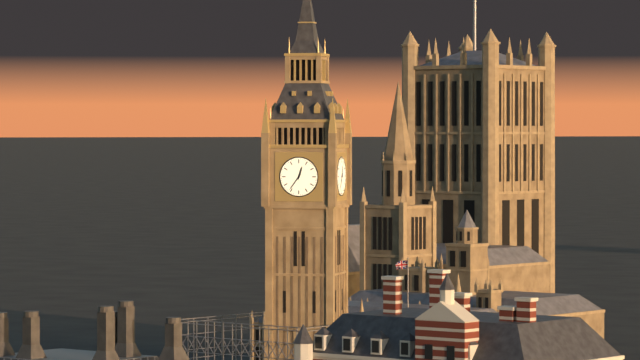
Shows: h=12 m=36
